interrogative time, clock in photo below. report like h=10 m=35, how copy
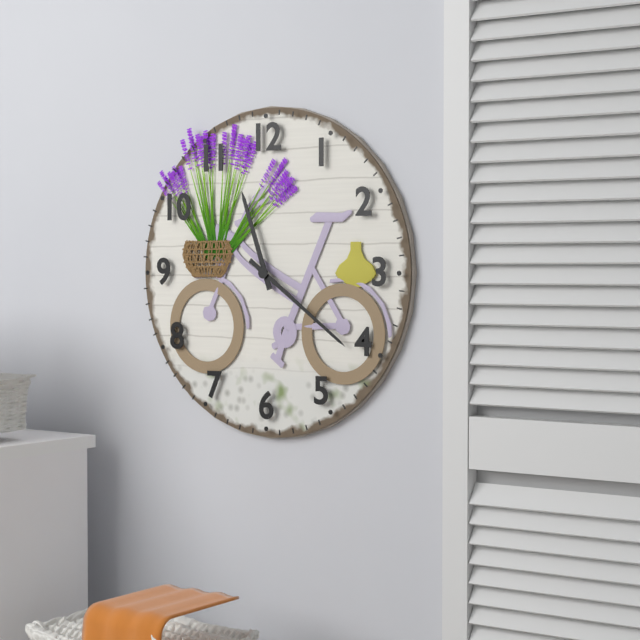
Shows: h=11 m=21
